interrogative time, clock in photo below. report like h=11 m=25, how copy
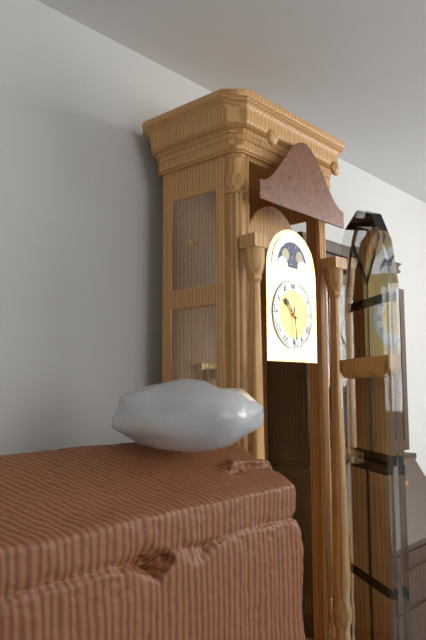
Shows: h=10 m=29
